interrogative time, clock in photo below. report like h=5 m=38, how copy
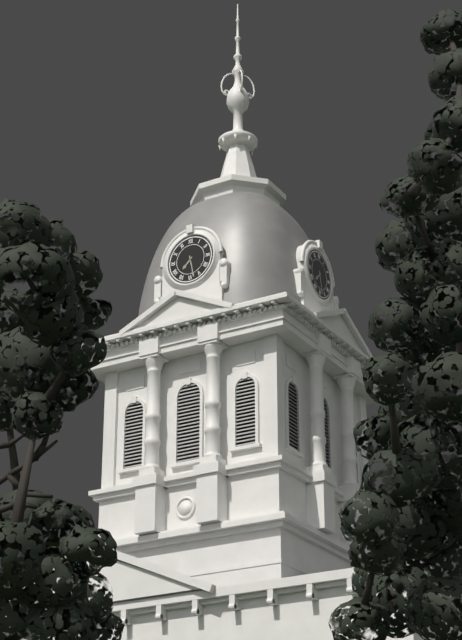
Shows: h=7 m=28
